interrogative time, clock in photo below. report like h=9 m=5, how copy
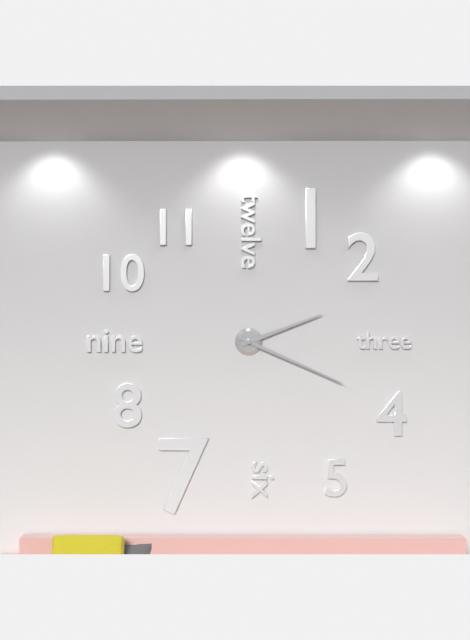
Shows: h=2 m=19
